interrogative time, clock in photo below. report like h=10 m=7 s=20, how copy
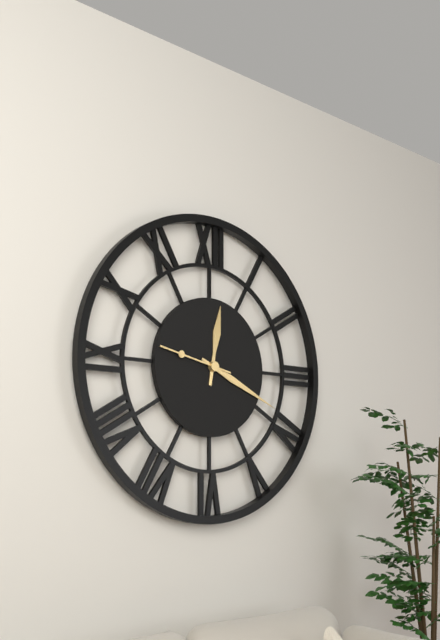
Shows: h=12 m=19 s=47
